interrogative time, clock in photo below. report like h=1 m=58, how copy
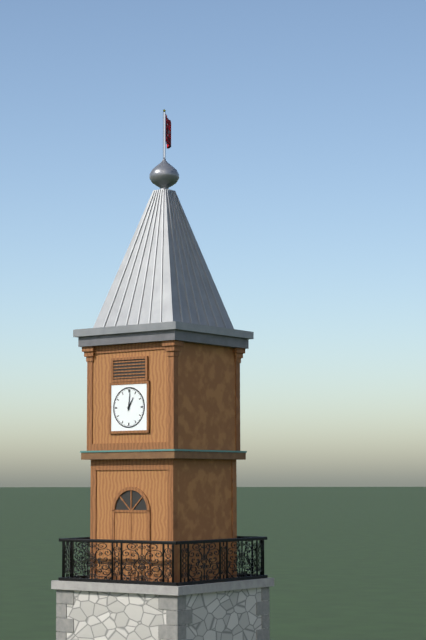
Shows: h=1 m=1
